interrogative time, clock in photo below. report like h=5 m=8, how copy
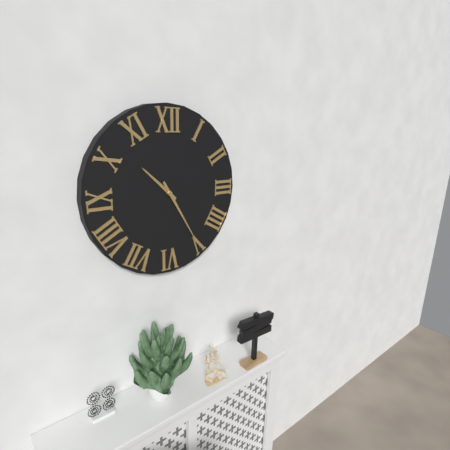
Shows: h=10 m=25
